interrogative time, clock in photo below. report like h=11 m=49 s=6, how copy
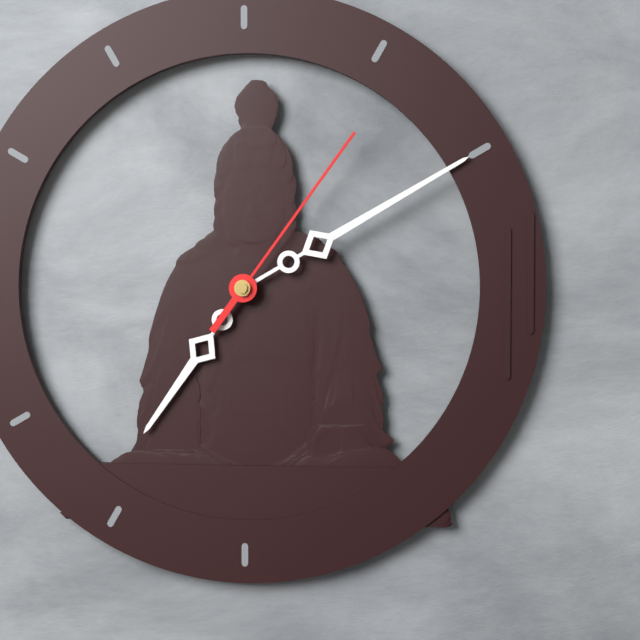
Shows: h=7 m=10 s=6
